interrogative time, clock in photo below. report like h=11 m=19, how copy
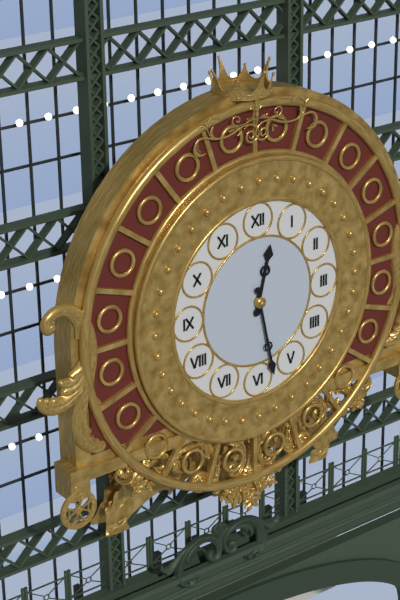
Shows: h=12 m=28
